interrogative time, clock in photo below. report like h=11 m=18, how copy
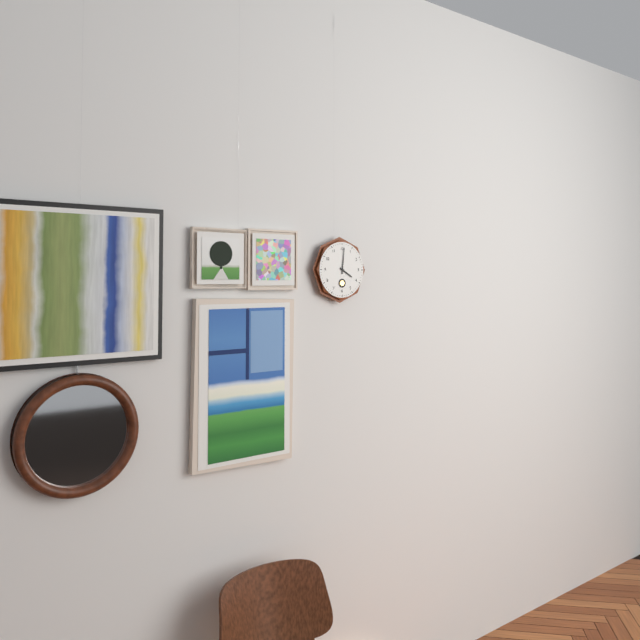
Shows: h=4 m=1
